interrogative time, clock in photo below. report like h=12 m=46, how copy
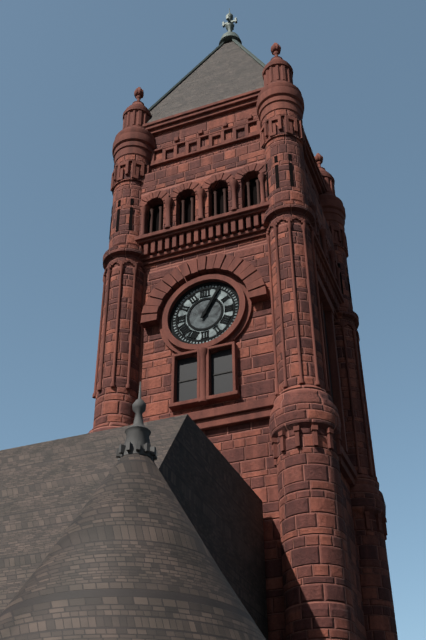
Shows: h=1 m=5
